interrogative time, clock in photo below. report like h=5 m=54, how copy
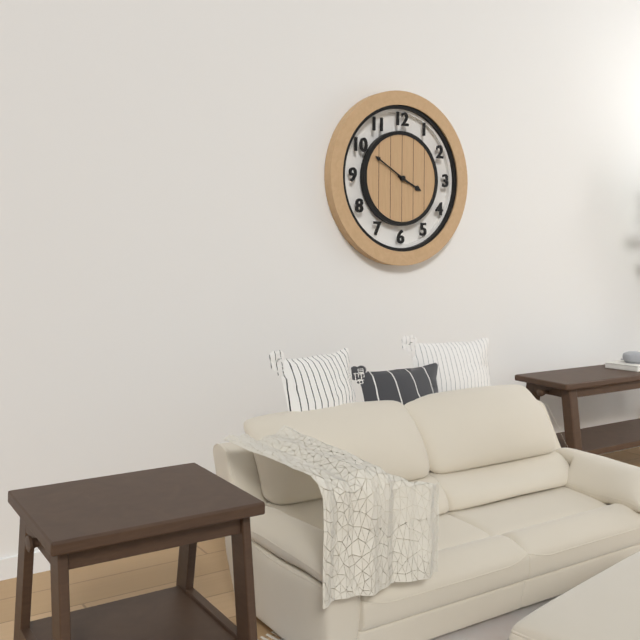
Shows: h=3 m=50
